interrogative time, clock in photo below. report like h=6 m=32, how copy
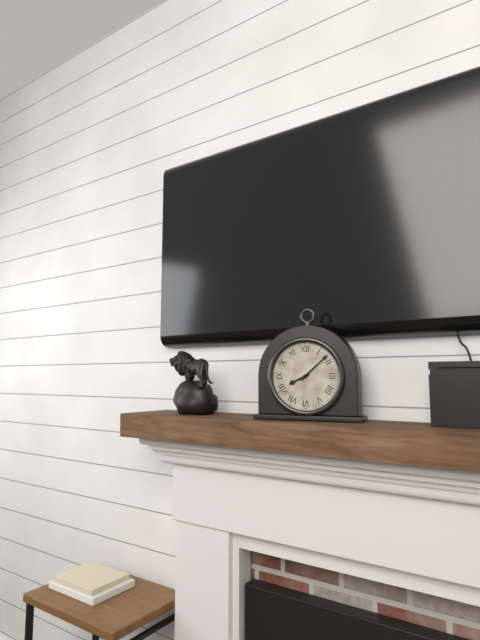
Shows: h=8 m=8
